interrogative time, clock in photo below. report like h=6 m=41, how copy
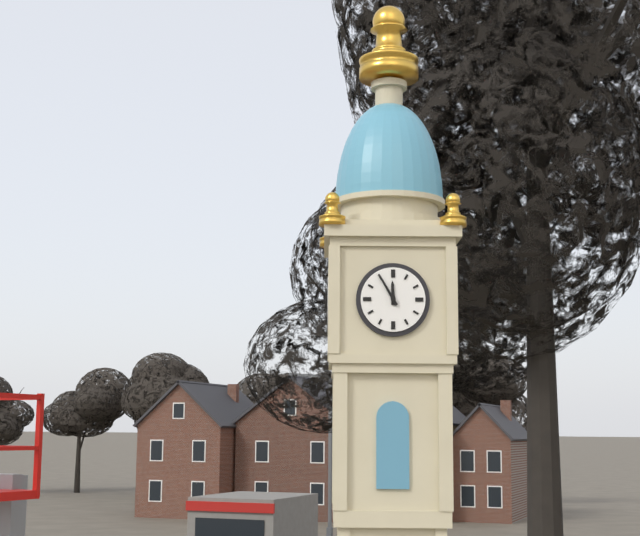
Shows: h=11 m=55
